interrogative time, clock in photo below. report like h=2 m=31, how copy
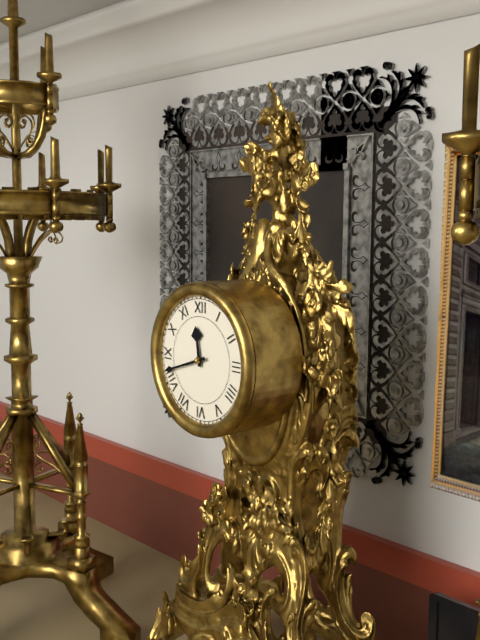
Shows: h=11 m=42
